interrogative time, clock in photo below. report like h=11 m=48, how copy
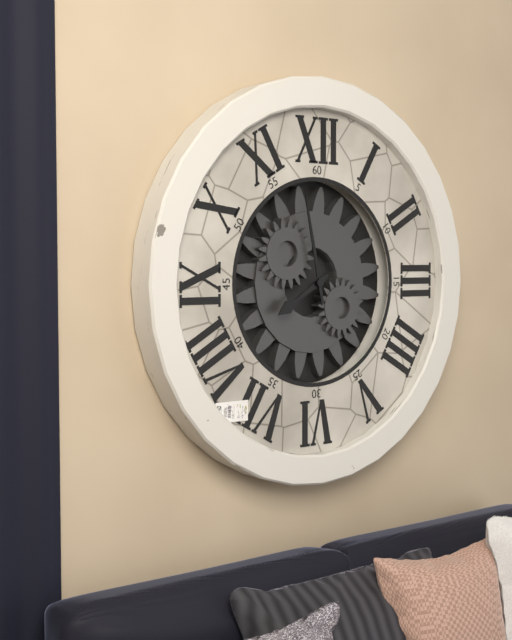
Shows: h=7 m=58
